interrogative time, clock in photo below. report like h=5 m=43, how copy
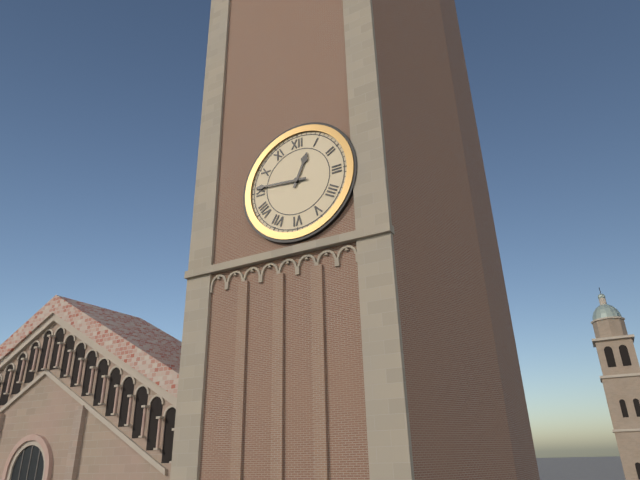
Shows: h=12 m=46
